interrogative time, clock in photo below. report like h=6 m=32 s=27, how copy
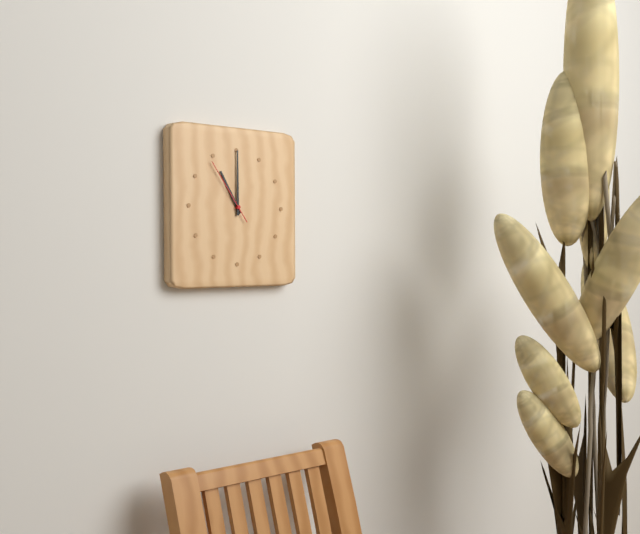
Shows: h=11 m=0 s=54
